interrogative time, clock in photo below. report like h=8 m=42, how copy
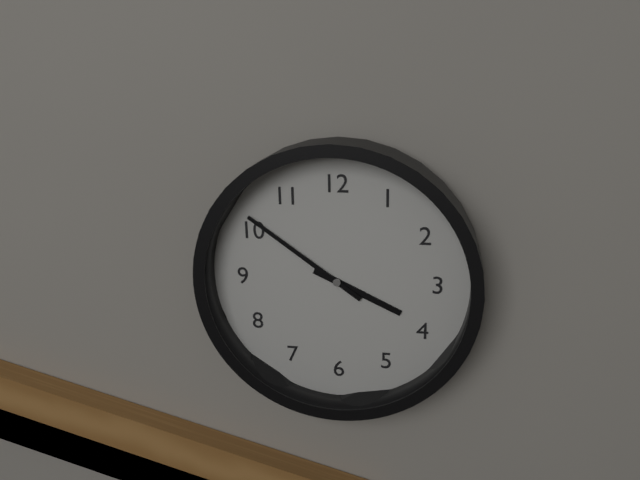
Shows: h=3 m=51
